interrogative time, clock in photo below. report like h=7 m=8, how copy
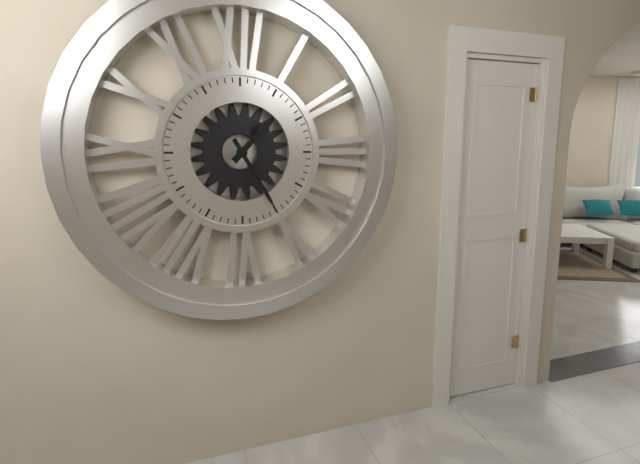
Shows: h=1 m=25
